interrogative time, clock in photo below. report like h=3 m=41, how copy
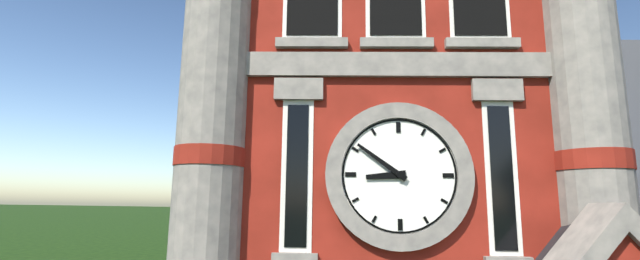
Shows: h=8 m=51
